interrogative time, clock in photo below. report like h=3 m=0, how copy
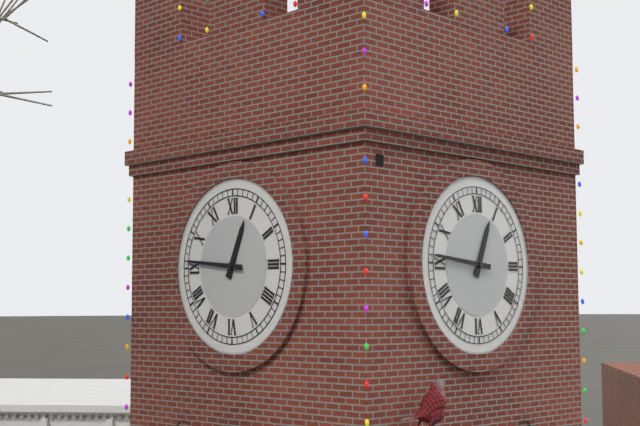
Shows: h=12 m=46
